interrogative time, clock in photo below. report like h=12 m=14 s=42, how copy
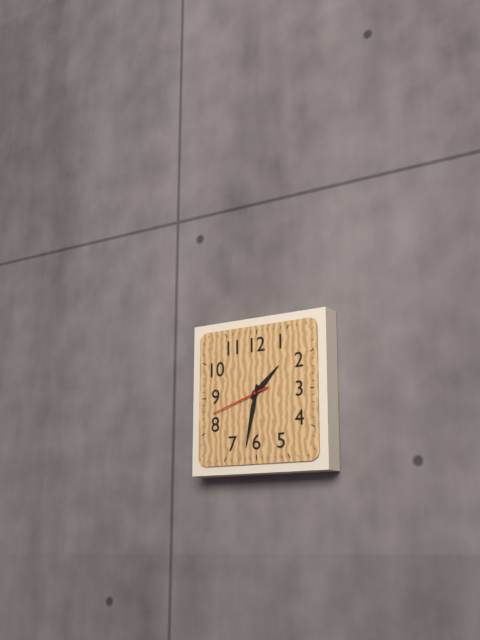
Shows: h=1 m=32 s=42
